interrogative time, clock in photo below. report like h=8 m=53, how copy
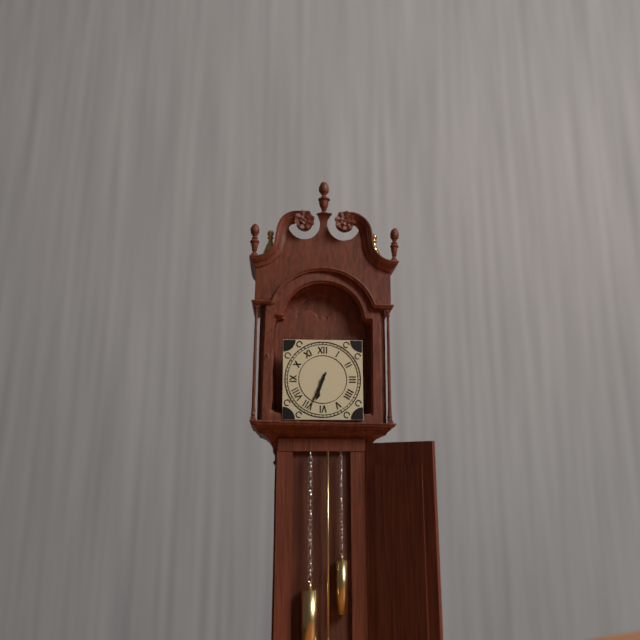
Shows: h=6 m=34
